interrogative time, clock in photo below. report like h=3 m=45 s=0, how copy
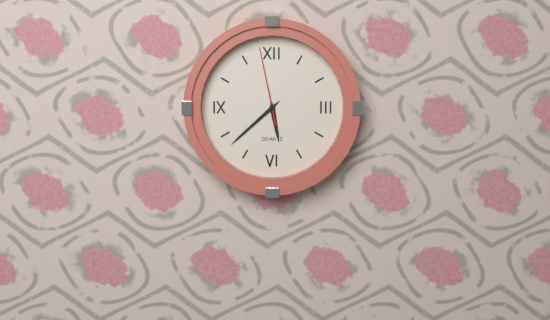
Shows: h=5 m=38 s=58
